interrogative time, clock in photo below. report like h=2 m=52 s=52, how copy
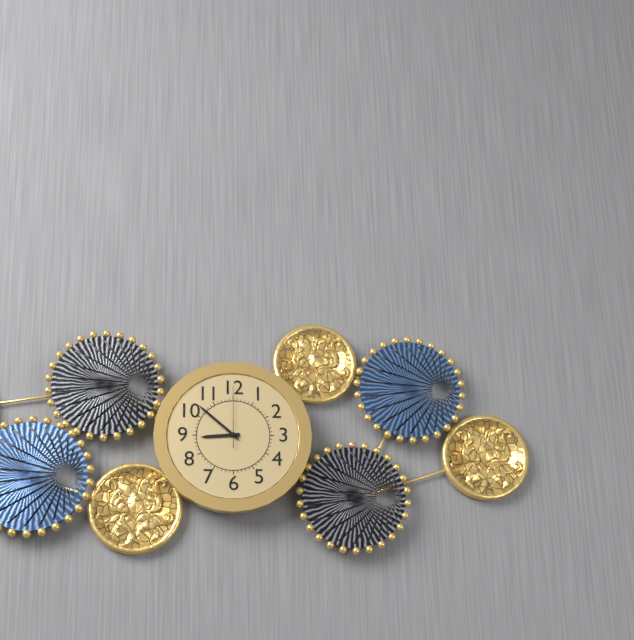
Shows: h=8 m=52 s=0
